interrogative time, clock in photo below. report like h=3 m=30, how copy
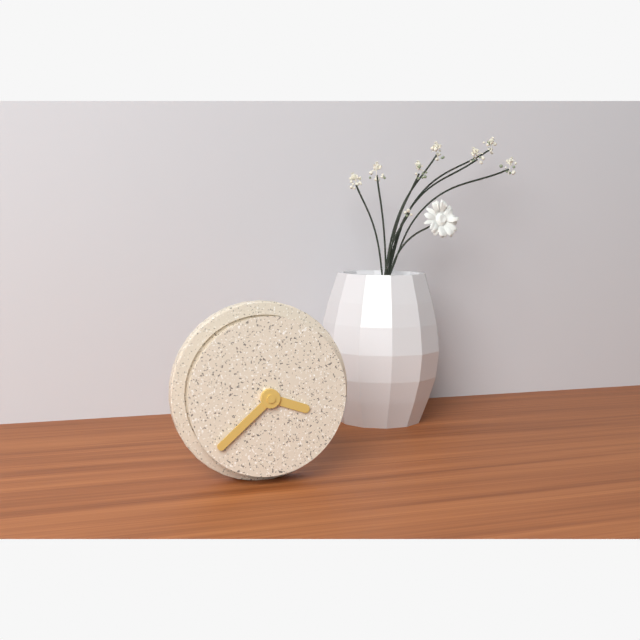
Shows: h=3 m=38
